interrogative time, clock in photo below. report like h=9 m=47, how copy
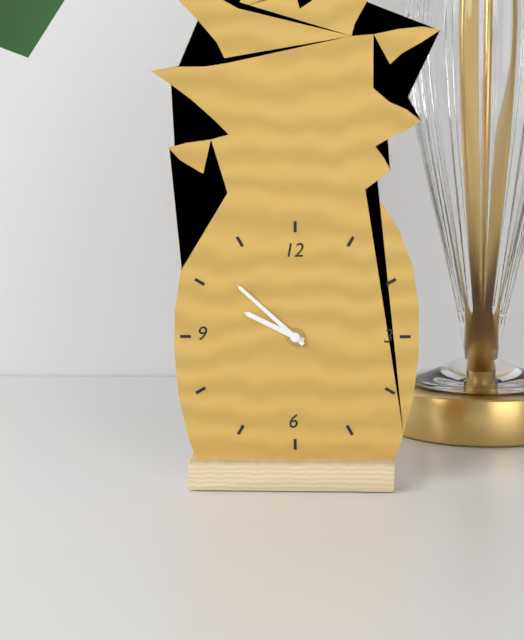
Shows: h=9 m=52
